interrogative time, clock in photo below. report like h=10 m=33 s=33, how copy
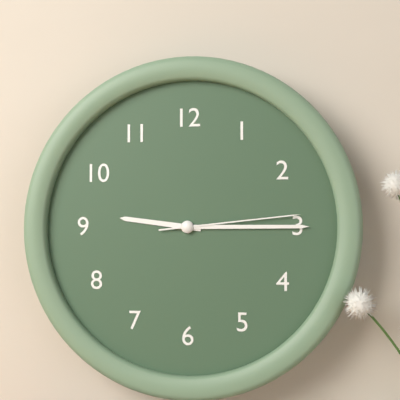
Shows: h=9 m=15 s=14
